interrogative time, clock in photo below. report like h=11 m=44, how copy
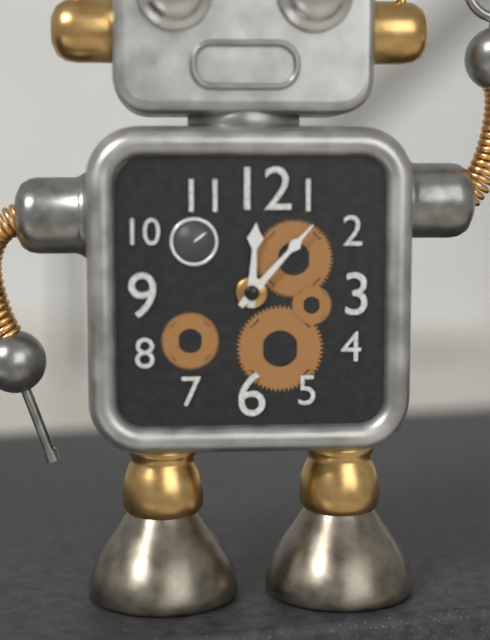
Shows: h=12 m=7
